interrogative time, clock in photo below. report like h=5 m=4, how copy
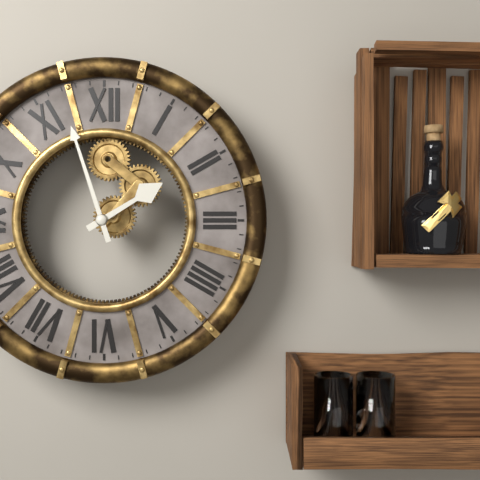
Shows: h=1 m=57
